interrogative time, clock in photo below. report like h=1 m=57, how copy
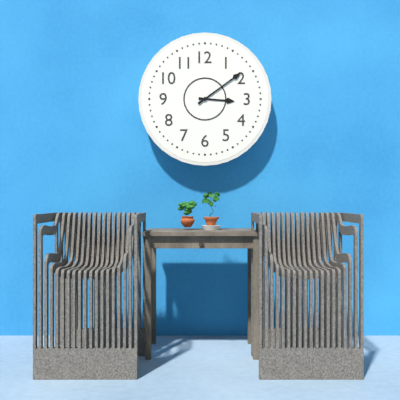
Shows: h=3 m=9
